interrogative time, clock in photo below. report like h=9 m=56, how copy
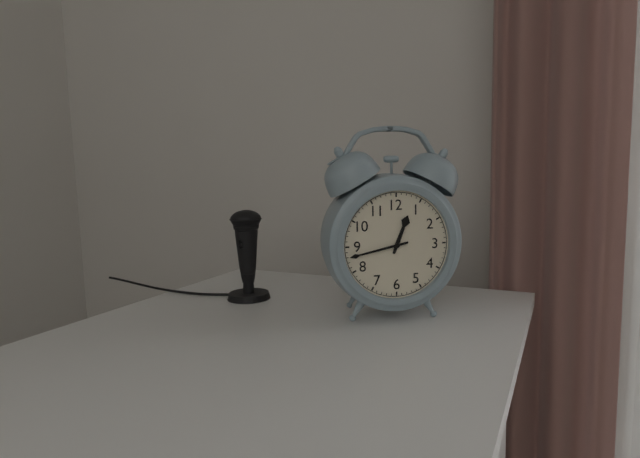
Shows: h=12 m=43
